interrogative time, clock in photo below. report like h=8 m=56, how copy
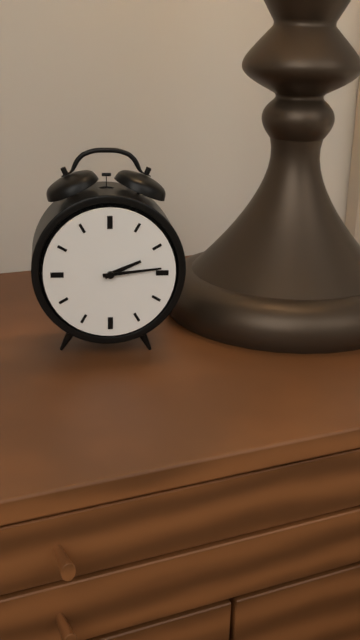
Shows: h=2 m=14
